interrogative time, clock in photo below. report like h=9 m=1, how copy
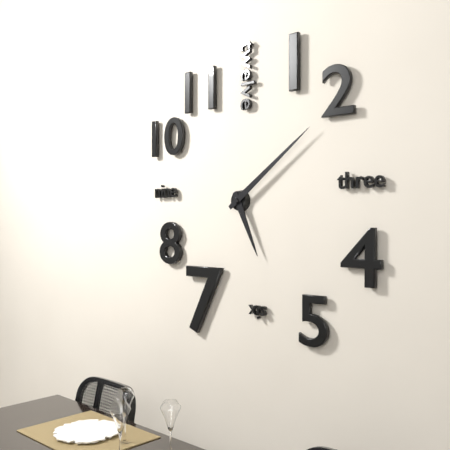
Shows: h=5 m=9
